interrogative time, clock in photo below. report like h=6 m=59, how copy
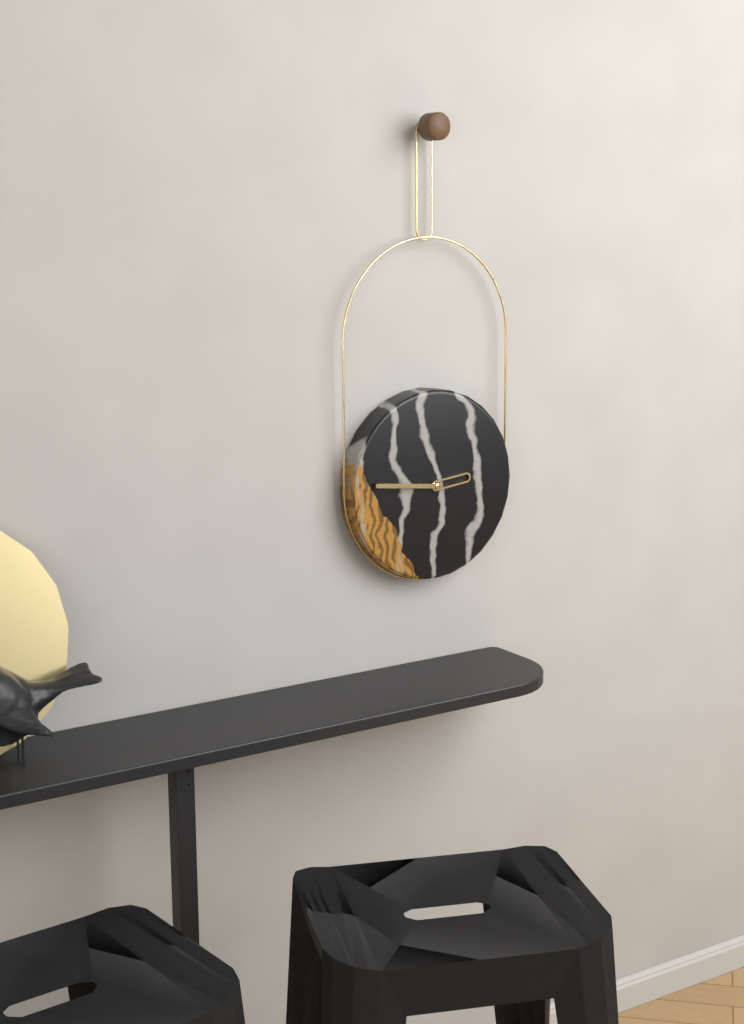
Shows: h=2 m=46
